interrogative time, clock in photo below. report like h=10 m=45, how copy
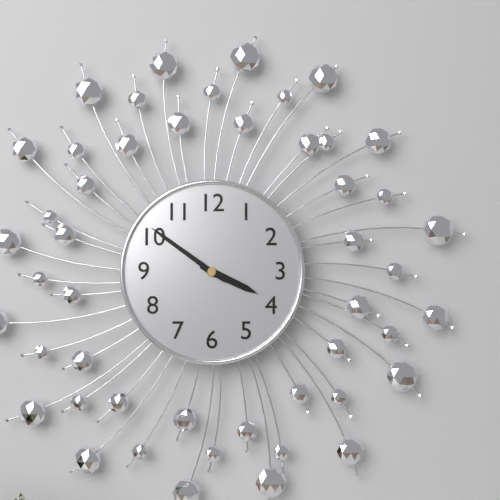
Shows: h=3 m=51
